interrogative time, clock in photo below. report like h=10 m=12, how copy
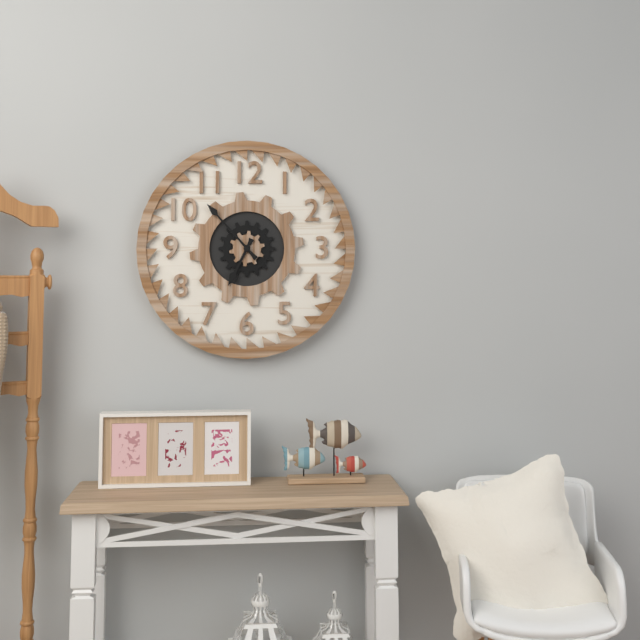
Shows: h=6 m=53
